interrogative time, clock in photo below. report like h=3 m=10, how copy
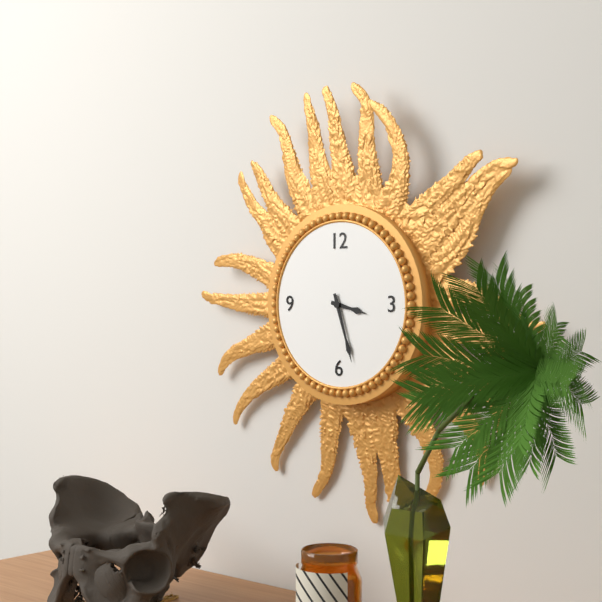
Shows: h=3 m=27
